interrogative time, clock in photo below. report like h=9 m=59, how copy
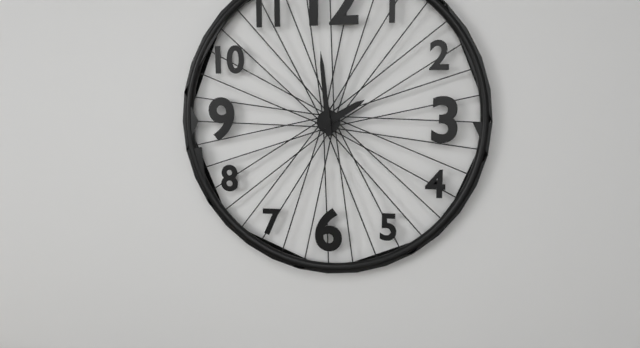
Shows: h=1 m=59
